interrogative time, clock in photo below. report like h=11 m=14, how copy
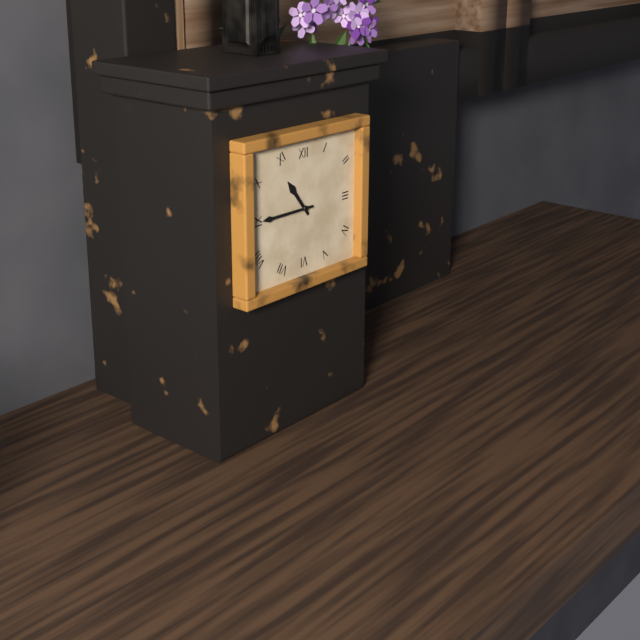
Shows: h=10 m=45
